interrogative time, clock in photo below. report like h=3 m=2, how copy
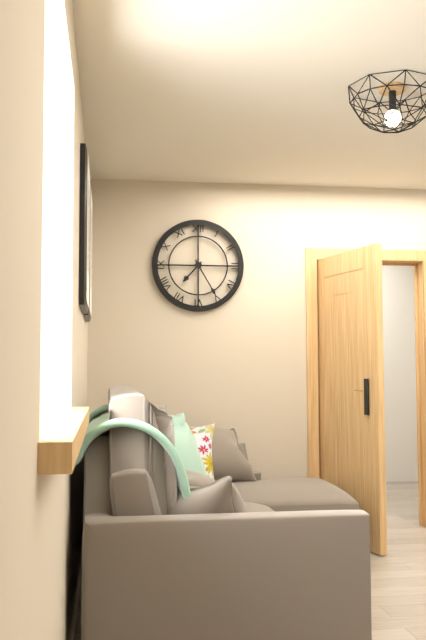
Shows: h=7 m=25
